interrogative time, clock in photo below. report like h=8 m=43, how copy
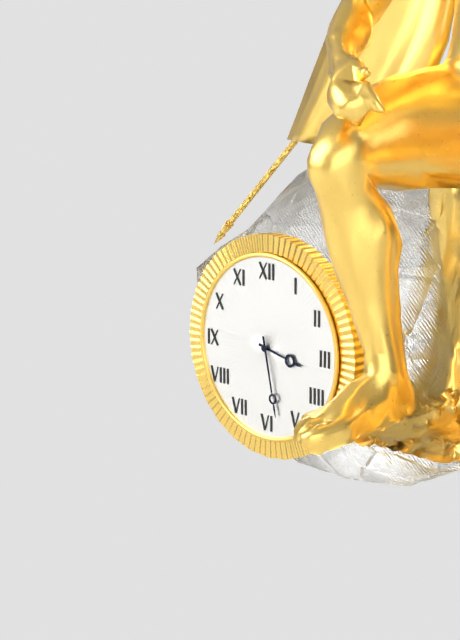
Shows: h=3 m=28
